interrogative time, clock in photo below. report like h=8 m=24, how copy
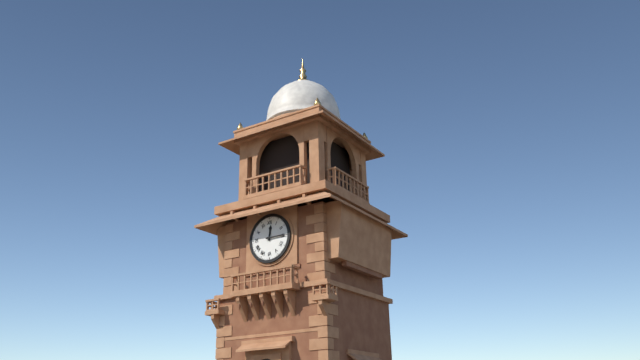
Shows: h=12 m=15
